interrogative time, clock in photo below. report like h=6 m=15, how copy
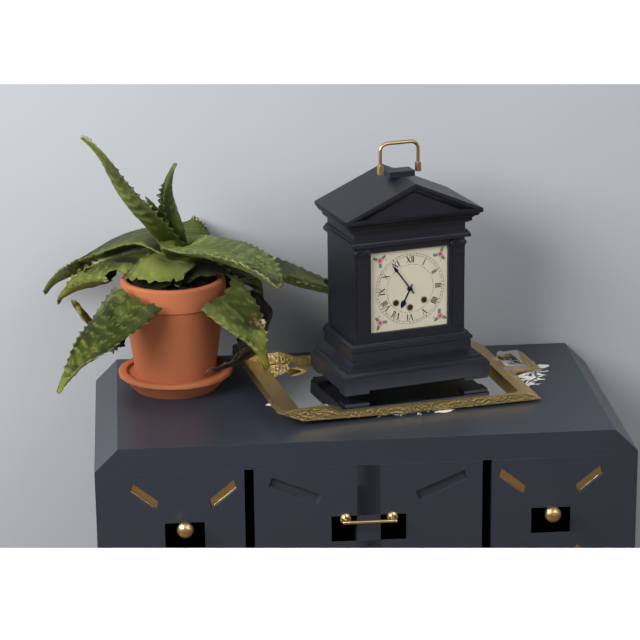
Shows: h=6 m=54
